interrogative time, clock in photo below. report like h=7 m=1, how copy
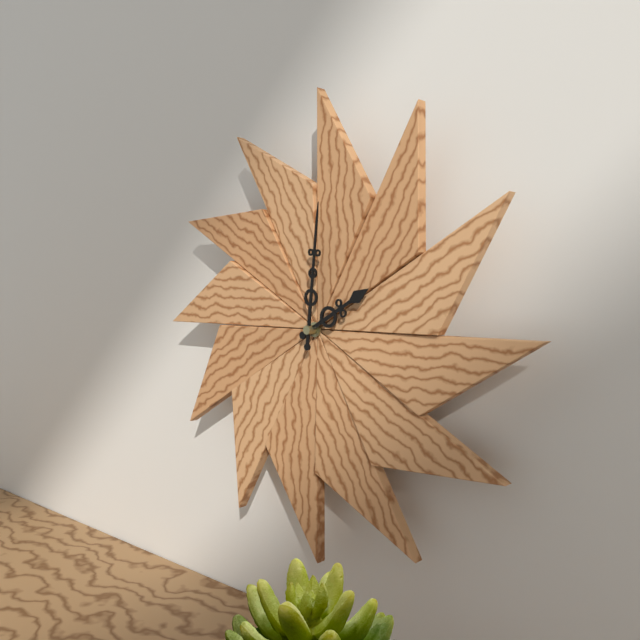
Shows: h=2 m=1
